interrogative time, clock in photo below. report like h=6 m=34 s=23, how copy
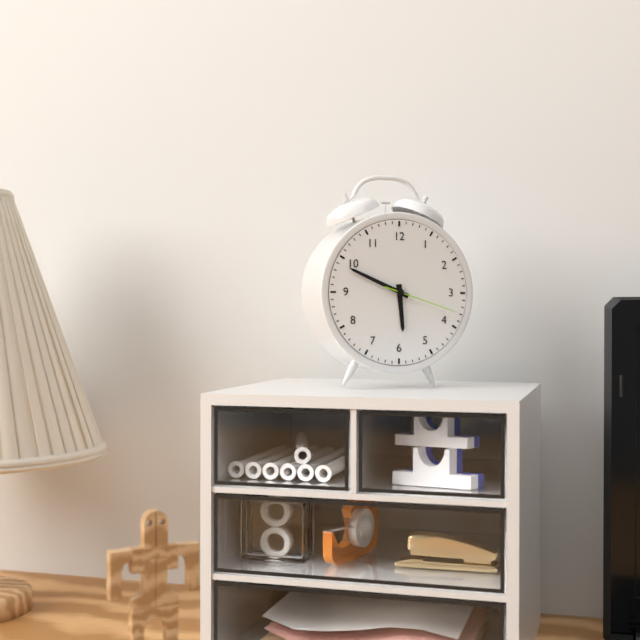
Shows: h=5 m=49 s=18
